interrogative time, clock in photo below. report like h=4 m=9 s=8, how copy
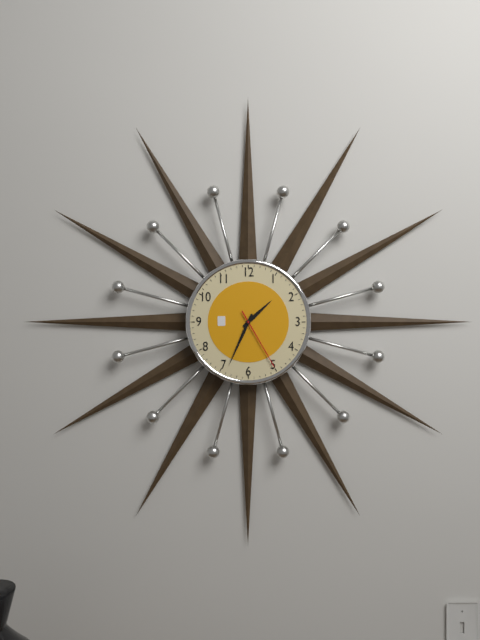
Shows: h=1 m=34 s=25
